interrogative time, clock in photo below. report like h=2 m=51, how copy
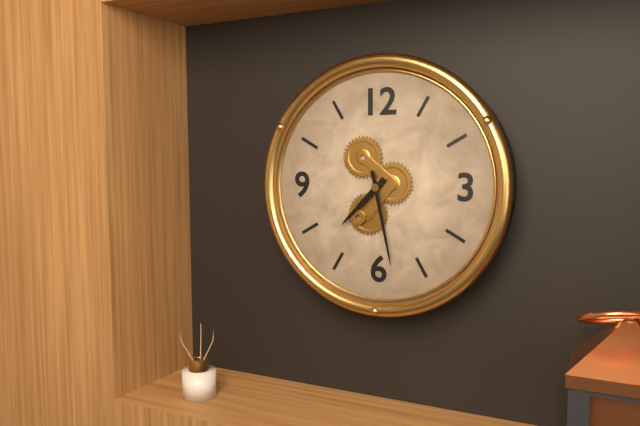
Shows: h=7 m=28
